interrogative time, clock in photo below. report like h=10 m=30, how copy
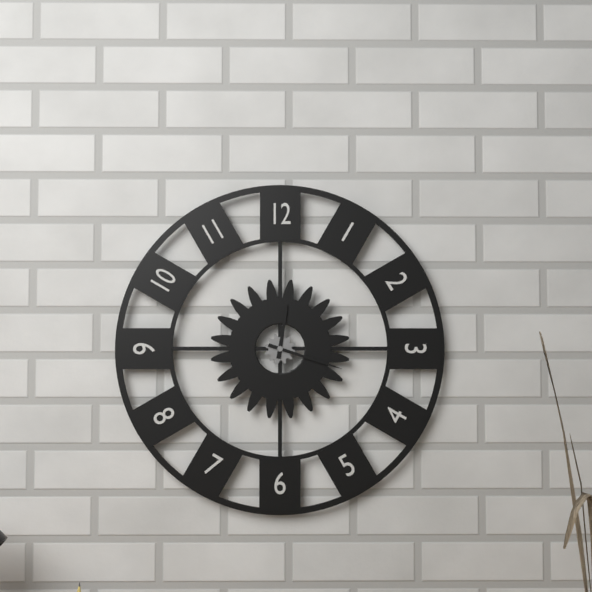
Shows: h=12 m=18
